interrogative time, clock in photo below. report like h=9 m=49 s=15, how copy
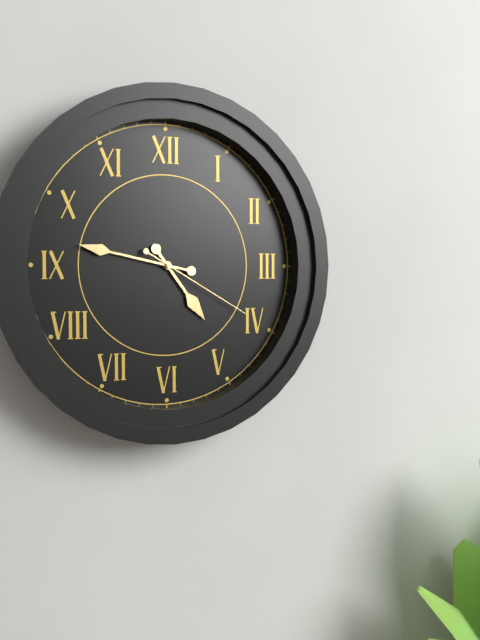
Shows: h=4 m=47 s=20
